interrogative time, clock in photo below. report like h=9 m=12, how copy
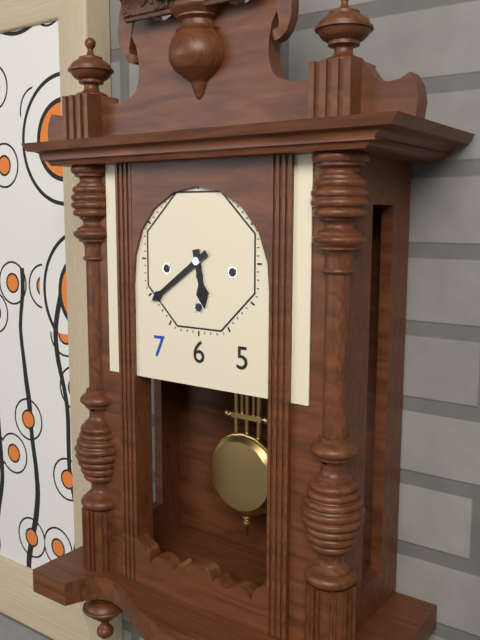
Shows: h=5 m=39
